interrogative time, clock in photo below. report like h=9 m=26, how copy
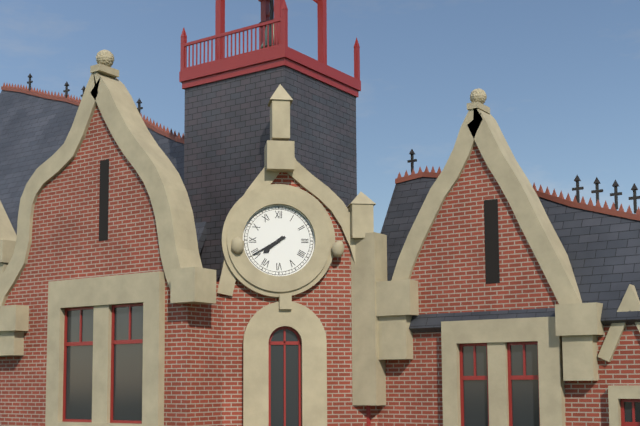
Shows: h=7 m=40
